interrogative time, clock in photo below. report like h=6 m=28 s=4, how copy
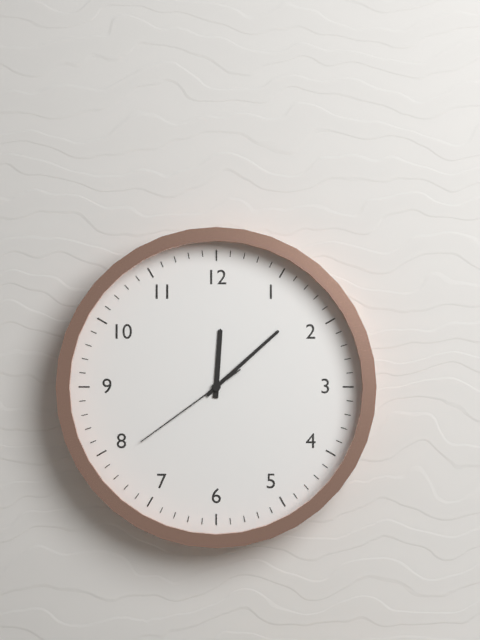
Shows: h=12 m=8 s=39
